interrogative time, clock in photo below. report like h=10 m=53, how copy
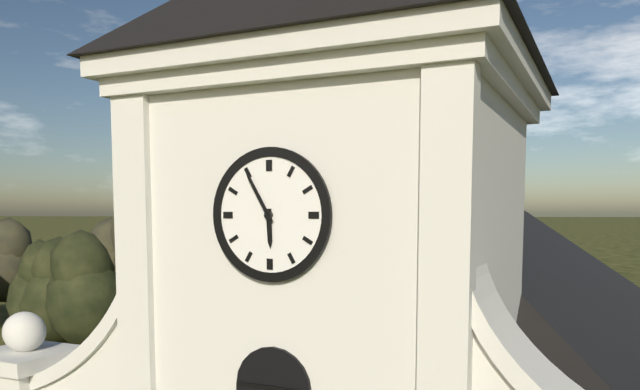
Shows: h=5 m=55
